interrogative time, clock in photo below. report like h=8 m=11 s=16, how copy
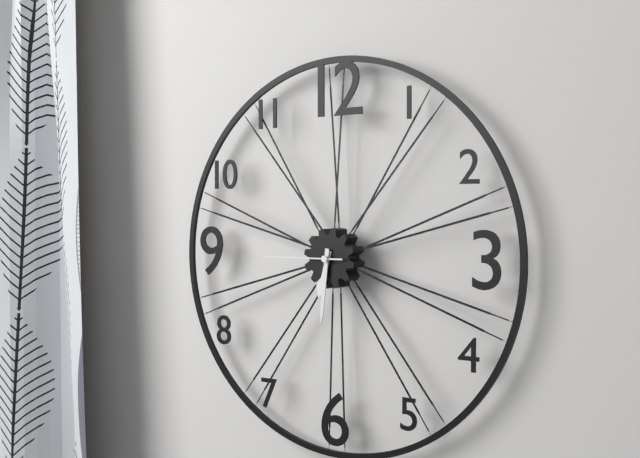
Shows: h=6 m=31 s=45
